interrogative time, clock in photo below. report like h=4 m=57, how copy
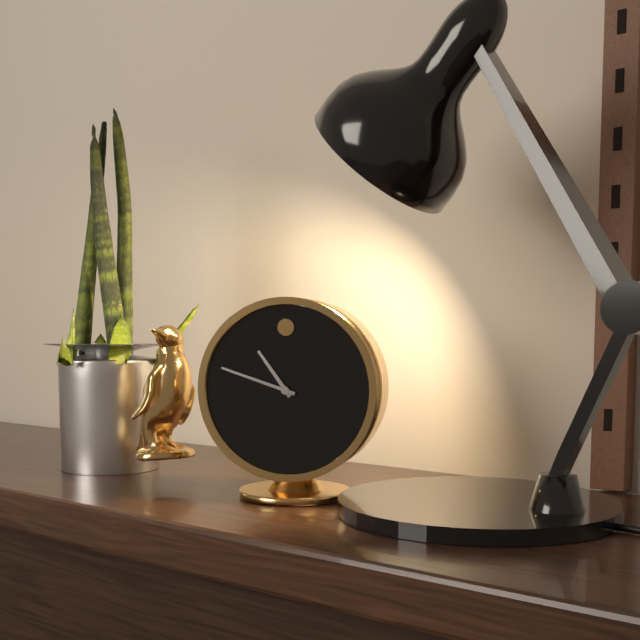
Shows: h=10 m=48
